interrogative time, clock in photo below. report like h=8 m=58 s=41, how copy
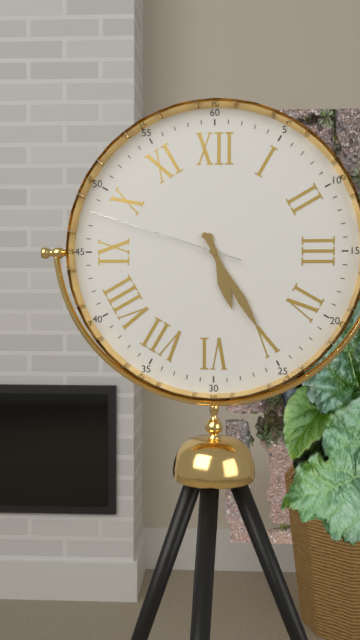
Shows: h=5 m=25 s=48
